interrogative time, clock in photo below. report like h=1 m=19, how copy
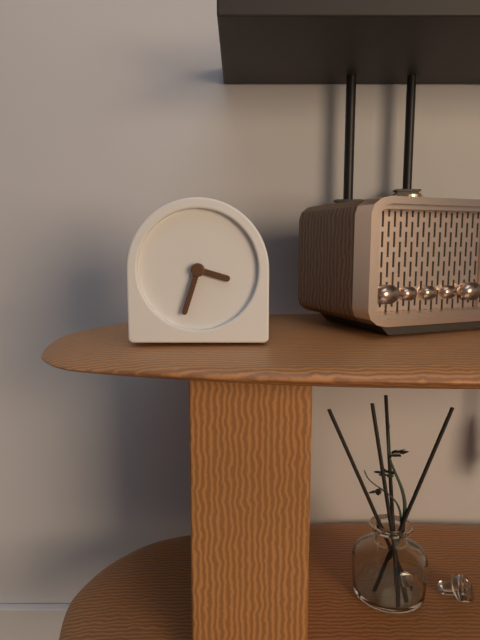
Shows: h=3 m=33
